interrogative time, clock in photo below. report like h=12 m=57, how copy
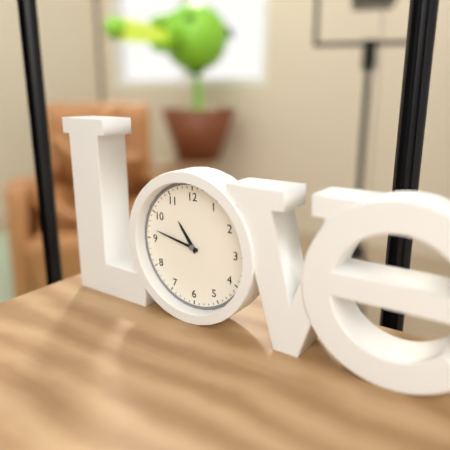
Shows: h=10 m=47
